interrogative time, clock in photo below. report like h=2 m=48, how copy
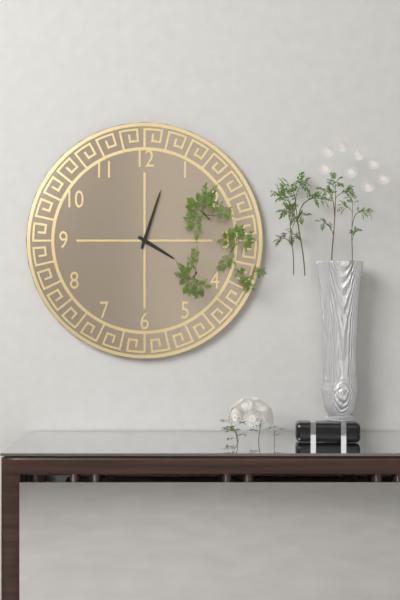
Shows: h=4 m=3
